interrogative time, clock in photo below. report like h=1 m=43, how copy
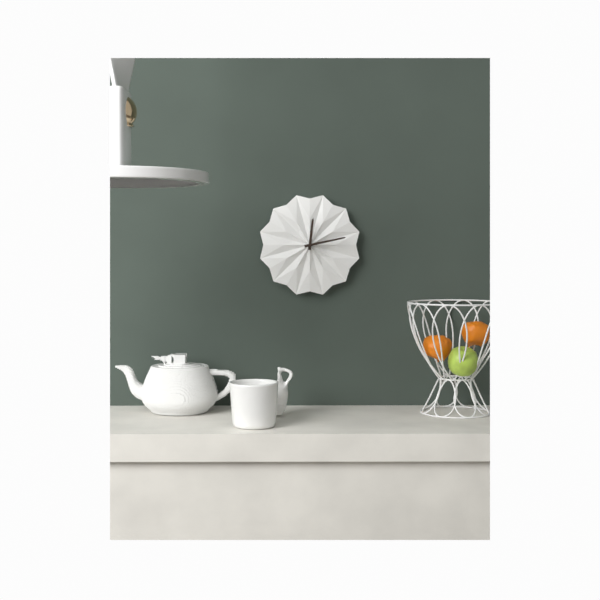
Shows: h=12 m=13
